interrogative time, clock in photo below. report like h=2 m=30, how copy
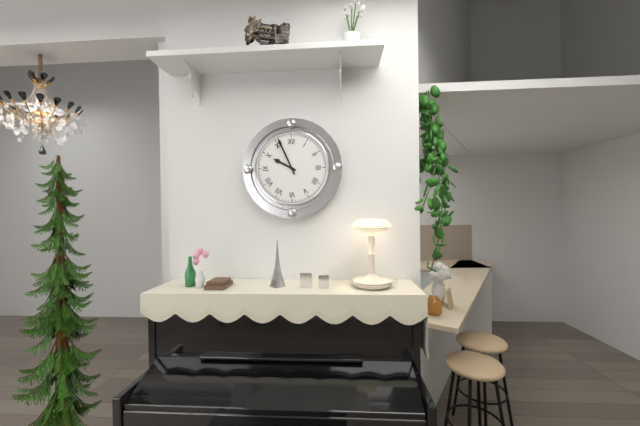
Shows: h=9 m=56
